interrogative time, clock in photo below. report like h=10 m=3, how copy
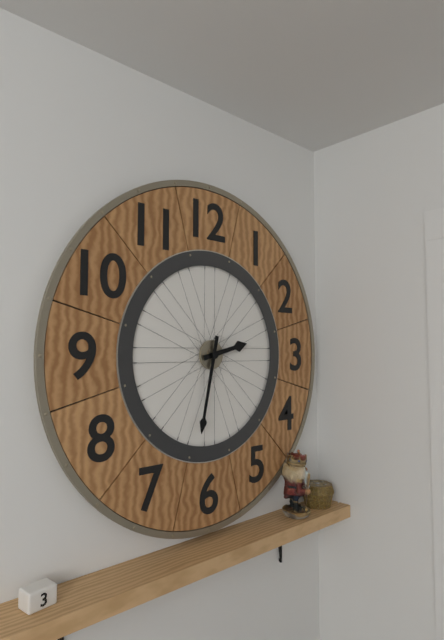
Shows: h=2 m=32
